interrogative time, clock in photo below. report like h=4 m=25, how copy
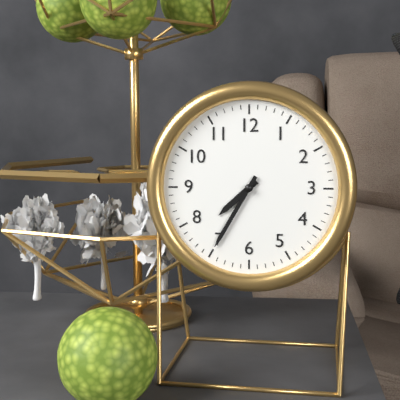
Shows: h=7 m=35
